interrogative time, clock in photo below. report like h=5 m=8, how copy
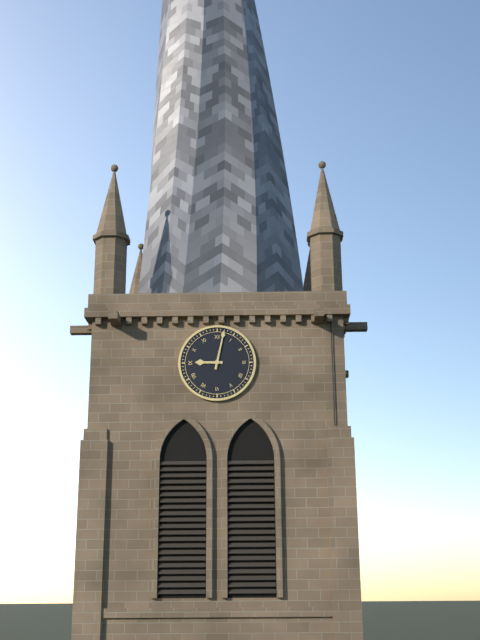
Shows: h=9 m=2
